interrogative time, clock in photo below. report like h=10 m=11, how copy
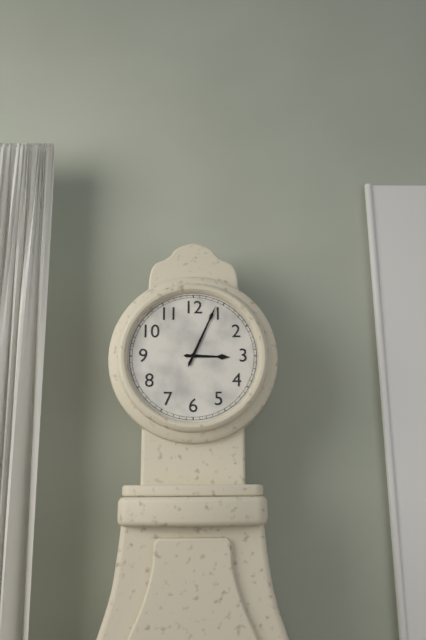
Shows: h=3 m=4
